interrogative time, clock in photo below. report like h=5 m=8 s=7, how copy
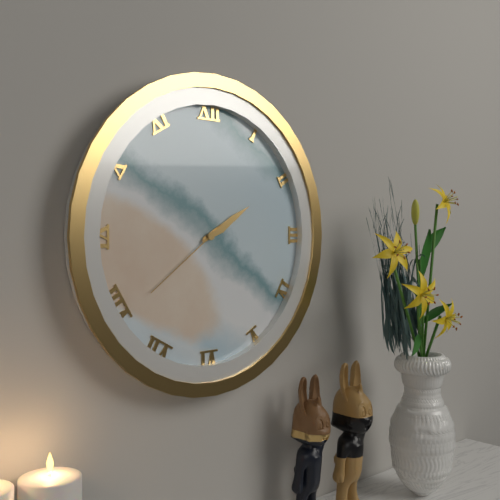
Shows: h=2 m=10 s=39
